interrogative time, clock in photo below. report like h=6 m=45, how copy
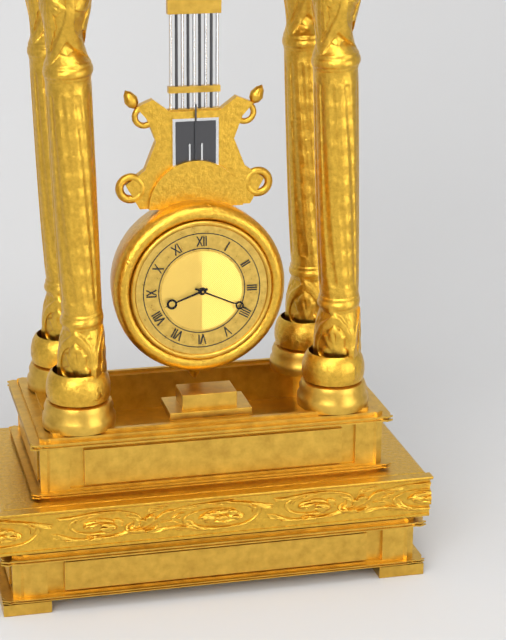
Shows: h=8 m=19
